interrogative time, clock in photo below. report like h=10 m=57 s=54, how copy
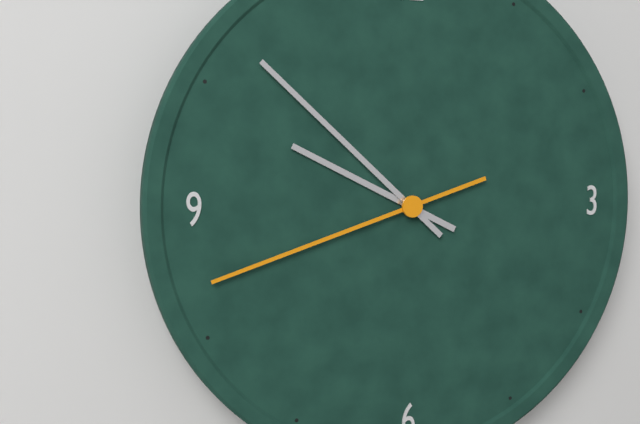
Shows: h=9 m=52 s=42
